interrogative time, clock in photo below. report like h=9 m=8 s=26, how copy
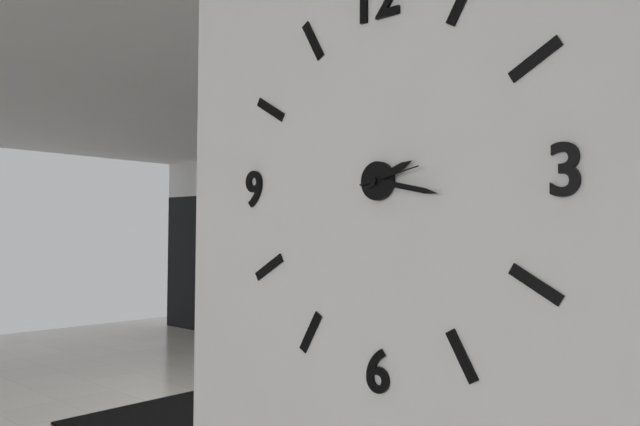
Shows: h=2 m=17 s=13
